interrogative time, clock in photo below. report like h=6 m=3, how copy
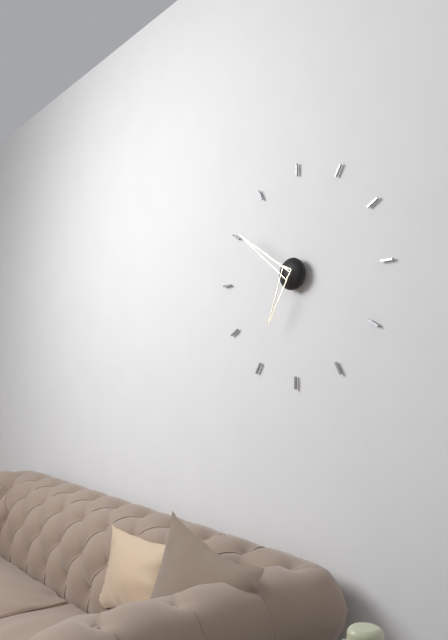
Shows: h=6 m=51
